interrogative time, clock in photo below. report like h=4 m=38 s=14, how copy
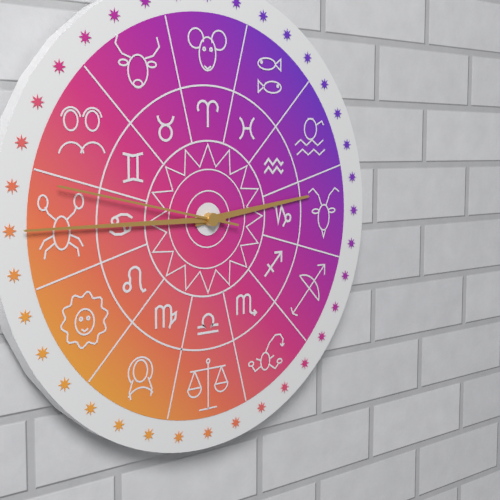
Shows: h=2 m=45 s=47
